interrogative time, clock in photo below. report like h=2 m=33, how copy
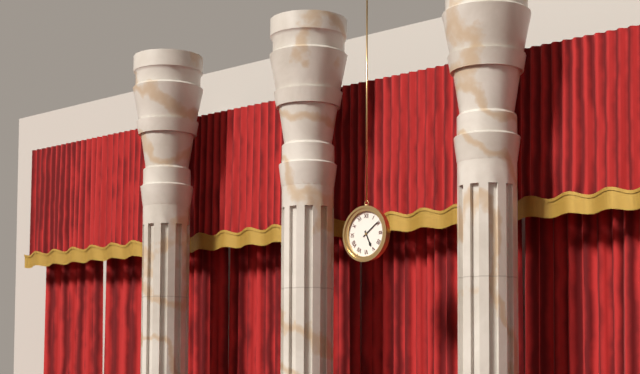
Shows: h=5 m=9
